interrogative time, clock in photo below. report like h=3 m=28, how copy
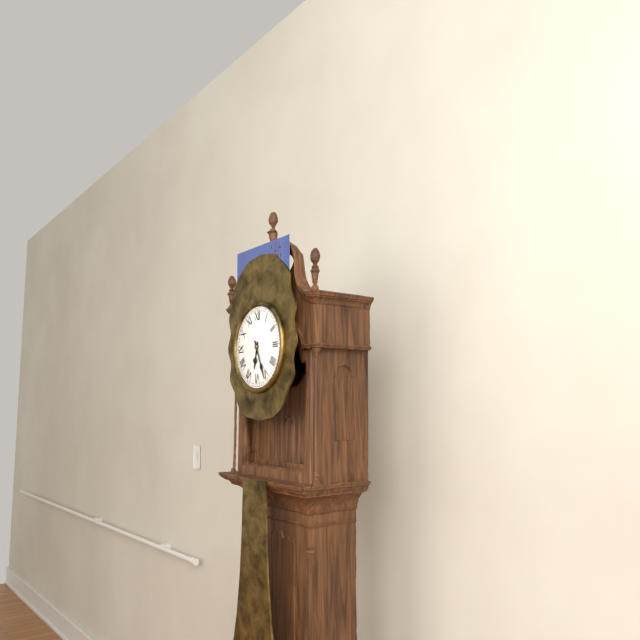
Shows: h=6 m=26
